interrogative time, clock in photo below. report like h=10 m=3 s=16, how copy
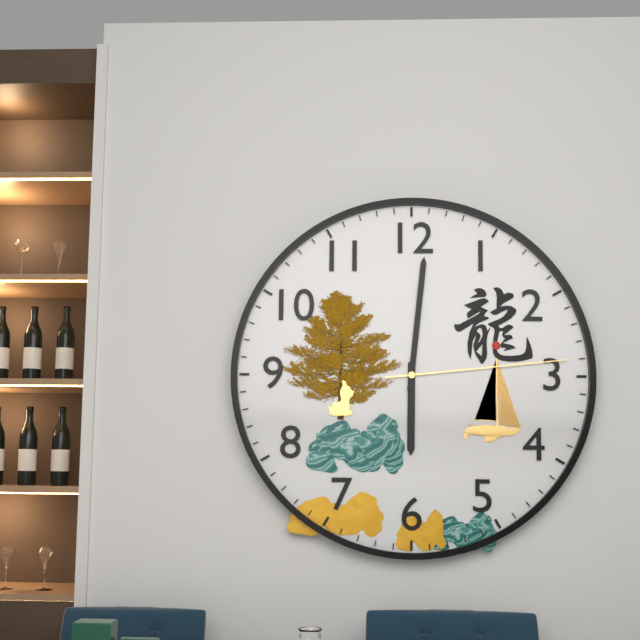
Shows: h=6 m=1 s=14
